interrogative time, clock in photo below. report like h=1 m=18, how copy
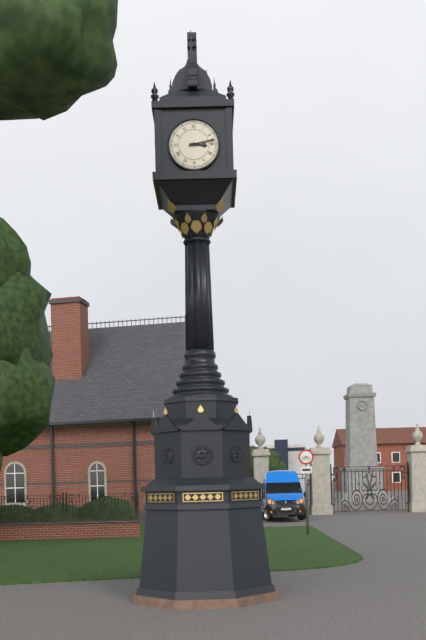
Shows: h=3 m=13
